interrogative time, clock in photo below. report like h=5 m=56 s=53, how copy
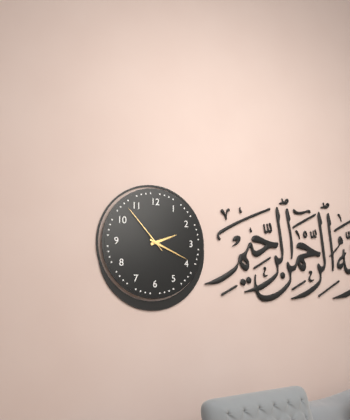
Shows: h=2 m=19 s=53
